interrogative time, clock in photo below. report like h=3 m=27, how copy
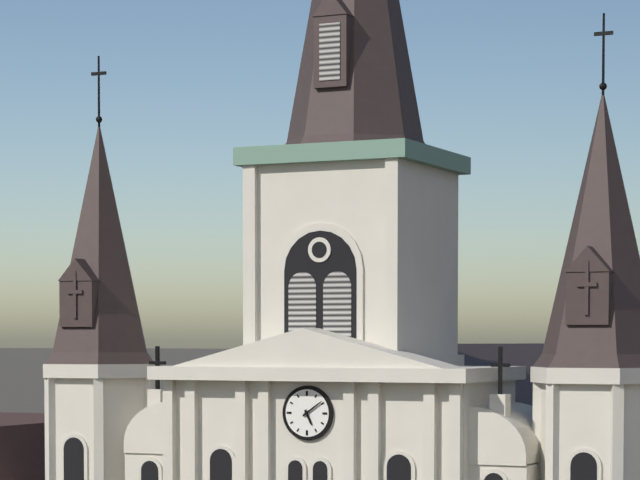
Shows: h=5 m=9
